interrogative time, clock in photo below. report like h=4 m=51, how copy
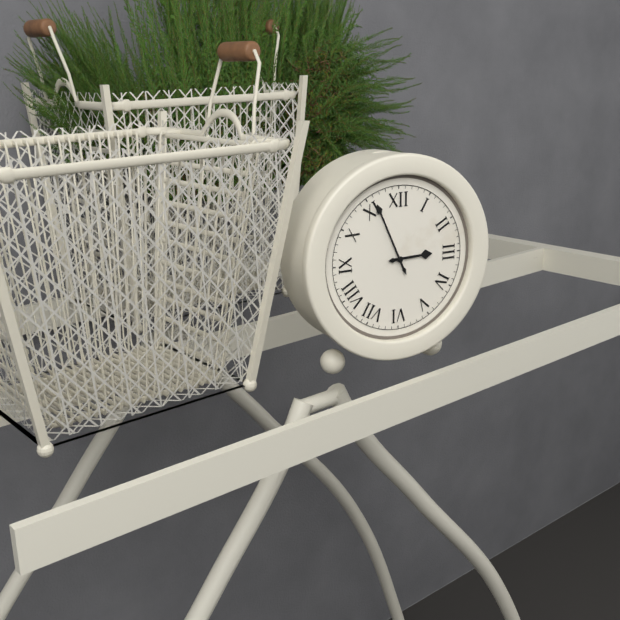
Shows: h=2 m=56
